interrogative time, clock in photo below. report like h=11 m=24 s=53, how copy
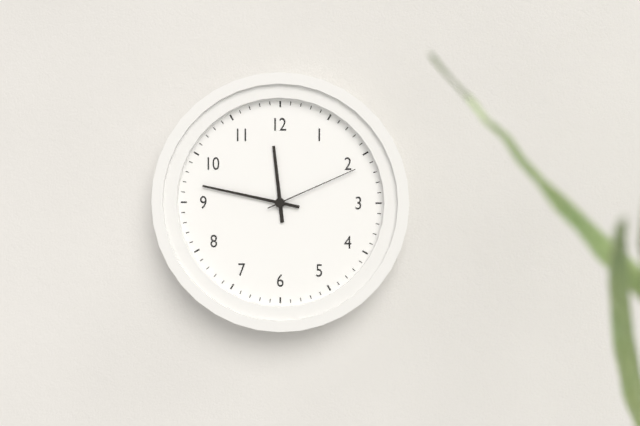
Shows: h=11 m=47 s=11
